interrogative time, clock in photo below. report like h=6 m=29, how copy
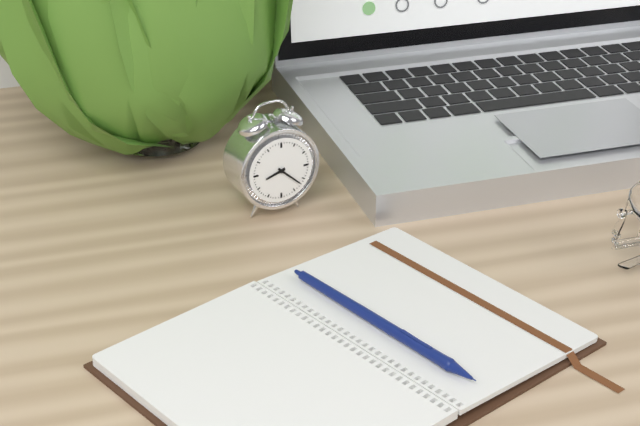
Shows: h=8 m=22
